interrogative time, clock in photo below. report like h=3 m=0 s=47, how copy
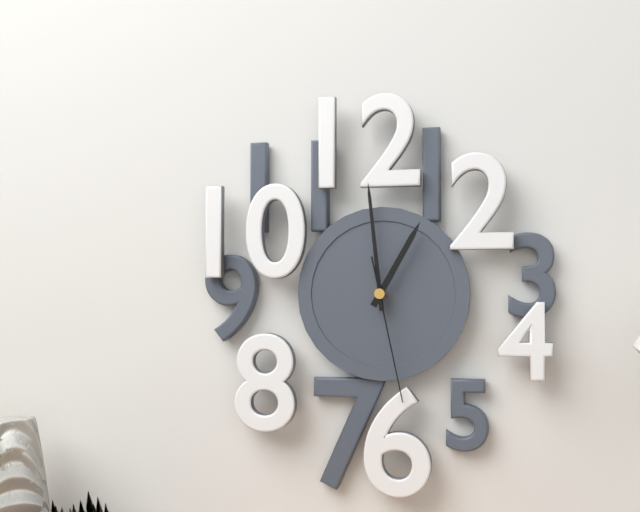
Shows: h=12 m=59 s=28
